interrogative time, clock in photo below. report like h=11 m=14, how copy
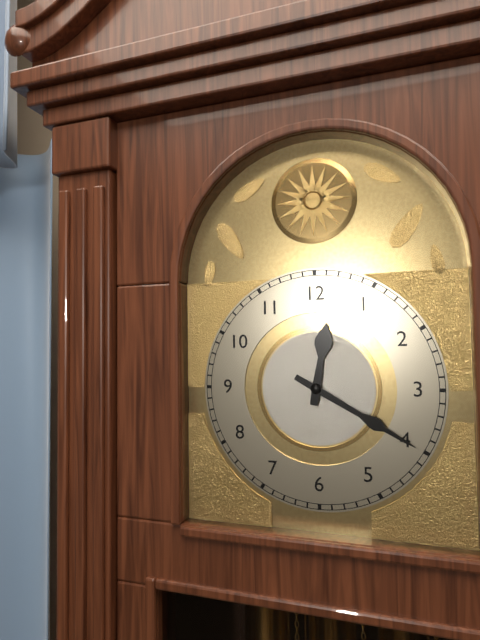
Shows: h=12 m=20
